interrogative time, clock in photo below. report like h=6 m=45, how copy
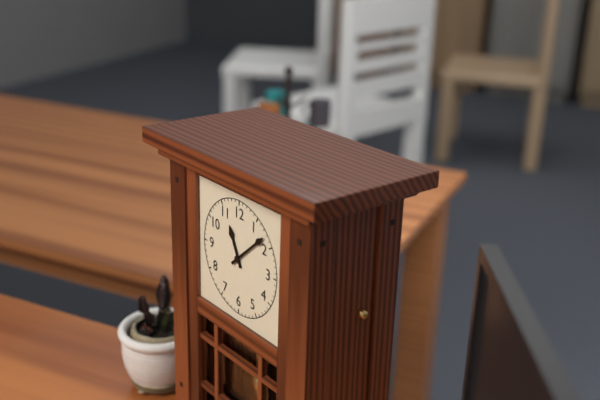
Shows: h=11 m=8
